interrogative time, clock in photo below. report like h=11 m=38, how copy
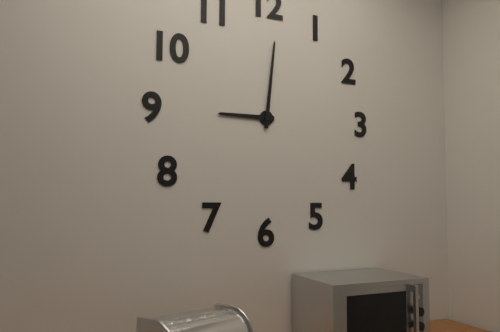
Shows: h=9 m=1
